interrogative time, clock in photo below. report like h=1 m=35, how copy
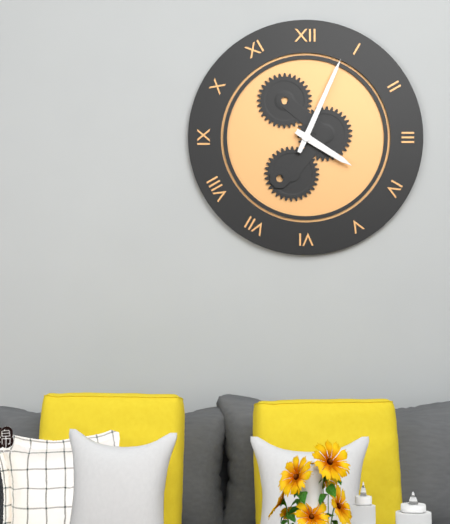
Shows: h=4 m=4
